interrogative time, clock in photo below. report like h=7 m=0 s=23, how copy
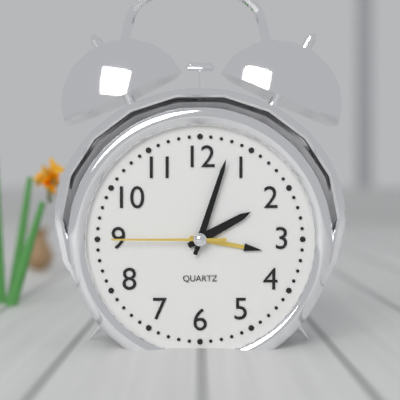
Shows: h=2 m=3 s=45
